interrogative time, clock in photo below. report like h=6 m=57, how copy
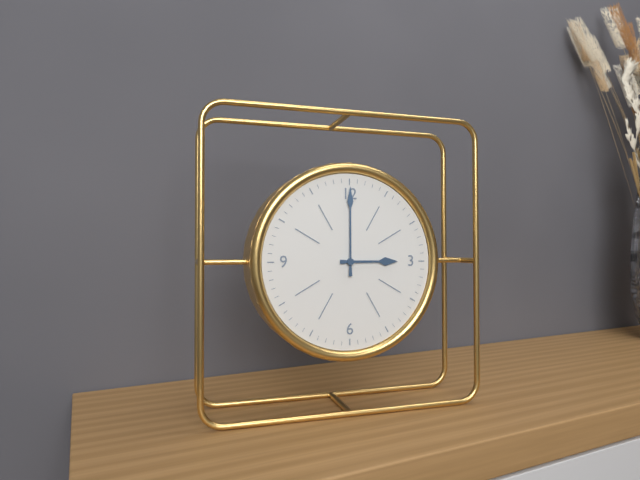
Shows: h=3 m=0
